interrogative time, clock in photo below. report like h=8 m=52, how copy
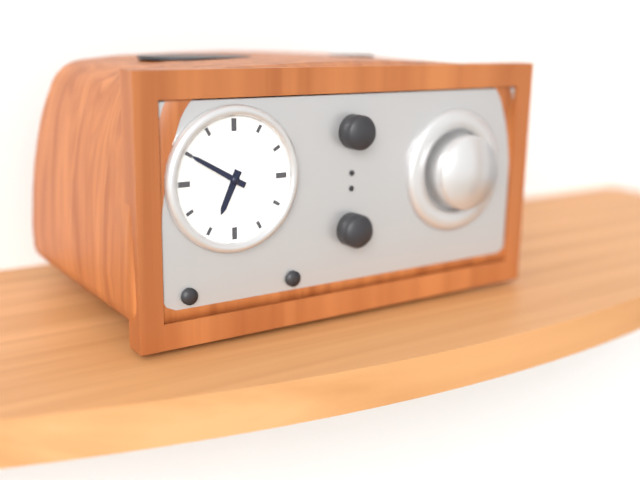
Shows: h=6 m=50
